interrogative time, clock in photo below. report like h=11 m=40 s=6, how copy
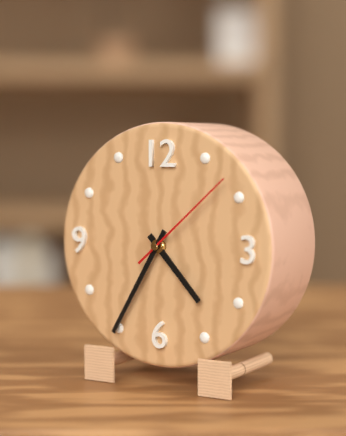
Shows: h=4 m=35 s=8
